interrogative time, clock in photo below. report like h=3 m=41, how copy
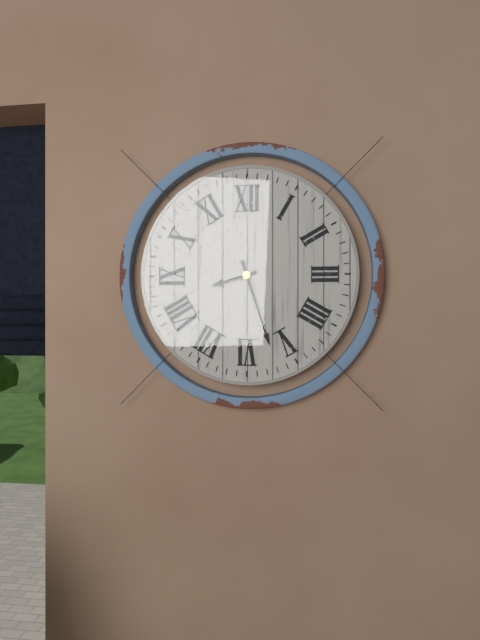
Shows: h=8 m=27
